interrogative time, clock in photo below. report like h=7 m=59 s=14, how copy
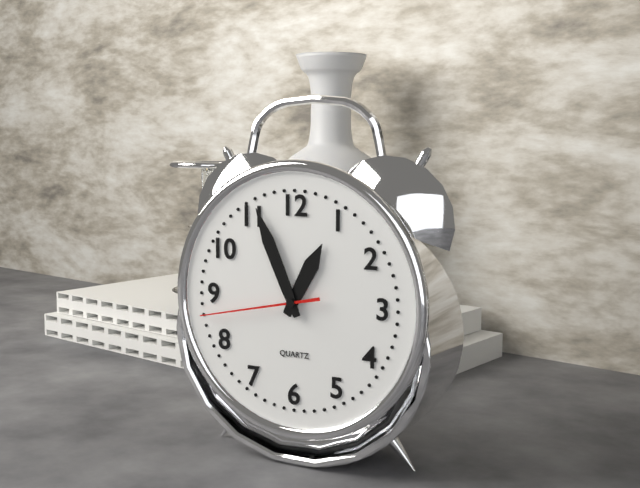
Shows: h=12 m=56 s=43
